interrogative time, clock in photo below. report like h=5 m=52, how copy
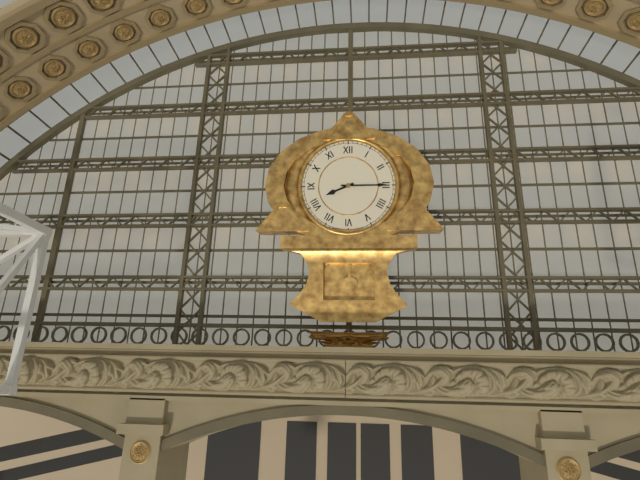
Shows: h=8 m=15
